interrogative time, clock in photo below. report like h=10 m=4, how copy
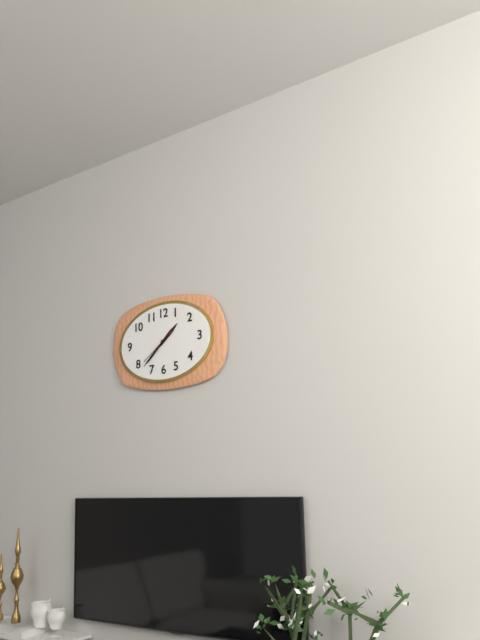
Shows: h=1 m=38
